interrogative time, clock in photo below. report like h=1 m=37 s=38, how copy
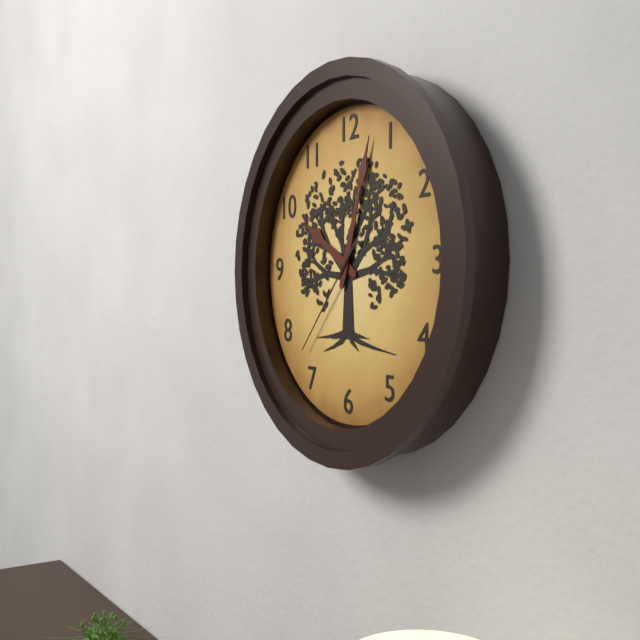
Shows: h=10 m=3 s=37
